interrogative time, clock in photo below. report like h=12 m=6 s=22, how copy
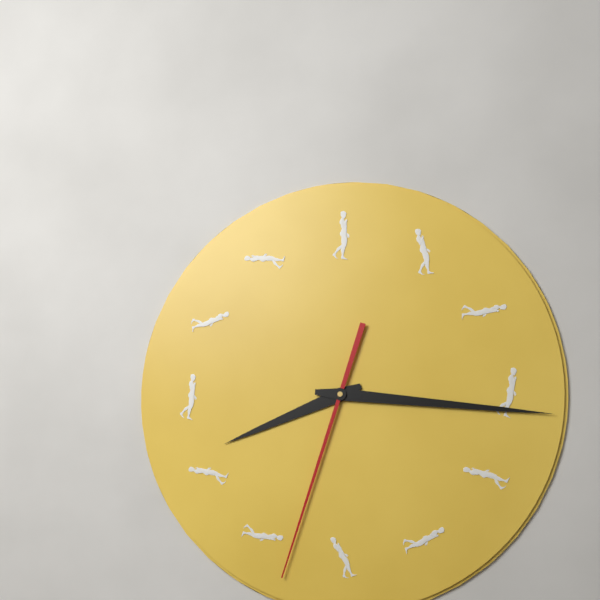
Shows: h=8 m=16 s=33
